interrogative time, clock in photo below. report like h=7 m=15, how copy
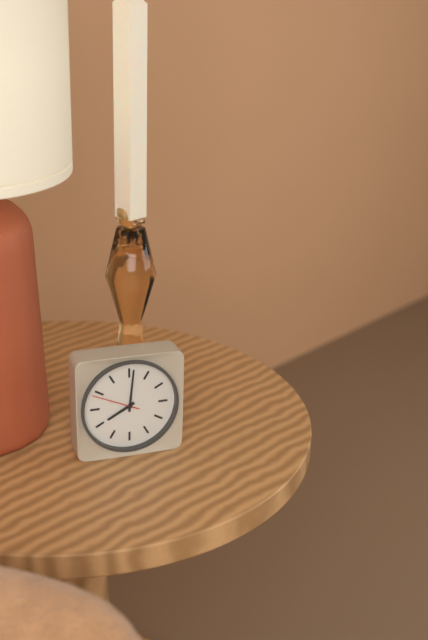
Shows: h=8 m=1
